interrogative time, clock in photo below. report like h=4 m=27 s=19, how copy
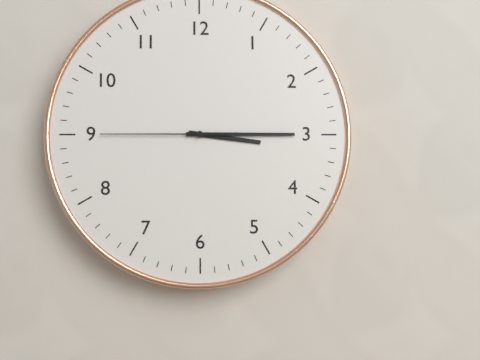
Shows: h=3 m=15 s=45
